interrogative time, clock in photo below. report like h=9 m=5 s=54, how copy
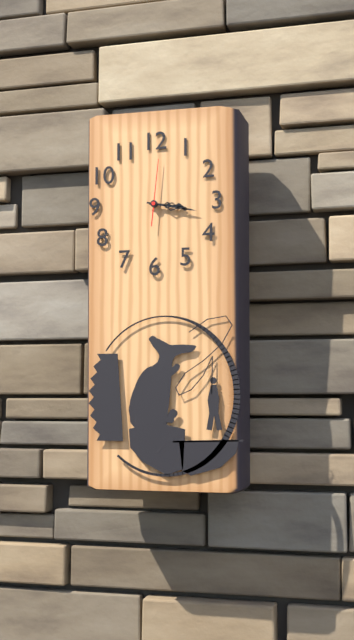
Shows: h=3 m=17 s=1
